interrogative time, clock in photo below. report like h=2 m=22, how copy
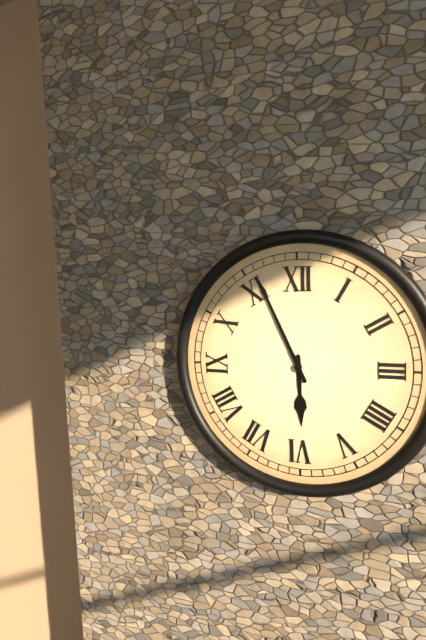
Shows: h=5 m=56
